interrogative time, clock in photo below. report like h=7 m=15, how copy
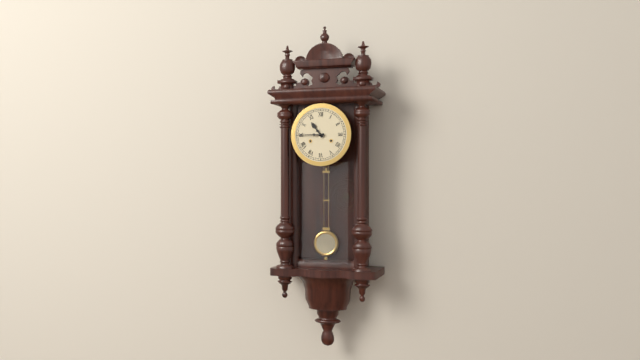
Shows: h=10 m=45
